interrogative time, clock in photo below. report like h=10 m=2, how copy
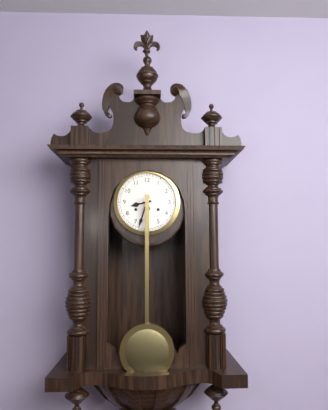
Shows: h=8 m=33
